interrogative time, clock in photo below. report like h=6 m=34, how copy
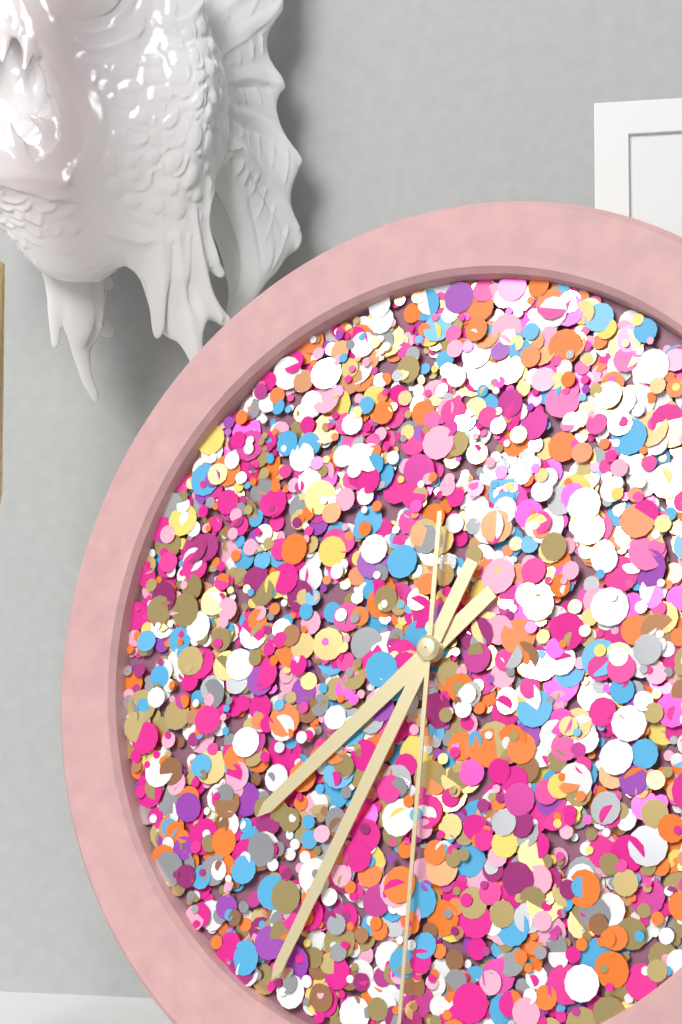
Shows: h=7 m=34
